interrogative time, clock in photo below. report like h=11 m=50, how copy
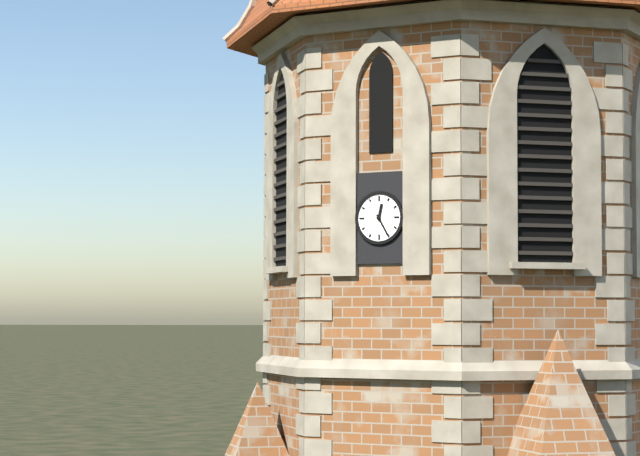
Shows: h=12 m=25
